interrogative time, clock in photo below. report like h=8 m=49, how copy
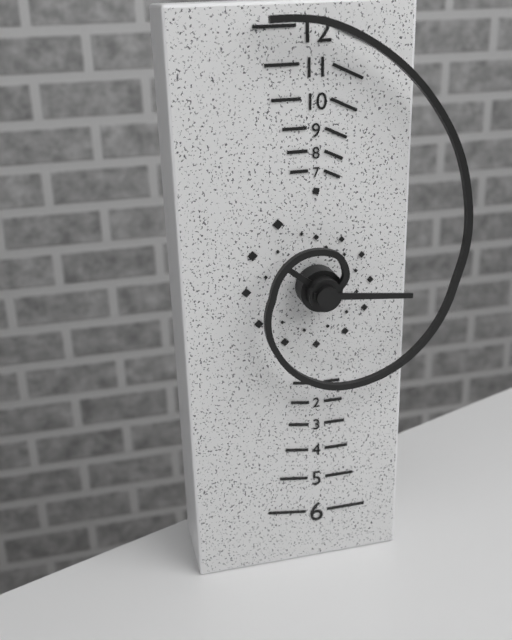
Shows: h=10 m=16
